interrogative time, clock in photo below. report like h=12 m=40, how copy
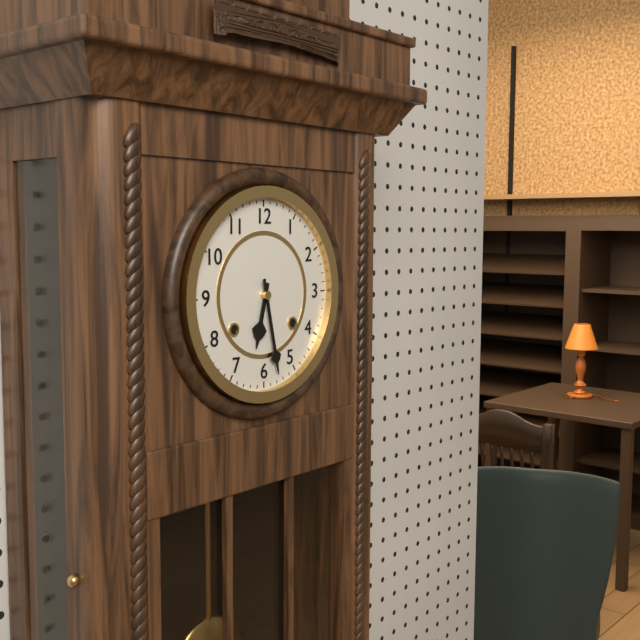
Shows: h=6 m=28
